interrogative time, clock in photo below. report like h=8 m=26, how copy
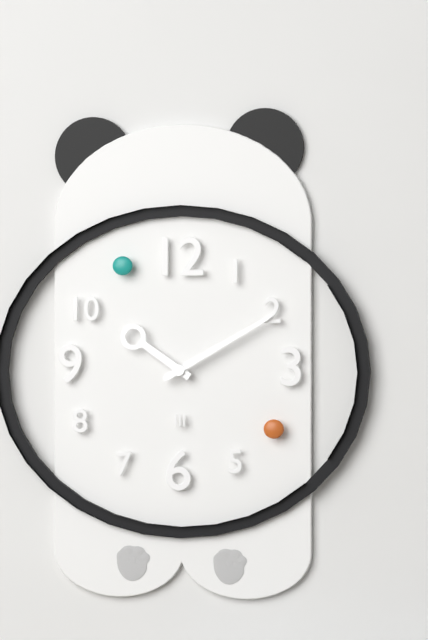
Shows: h=10 m=10
